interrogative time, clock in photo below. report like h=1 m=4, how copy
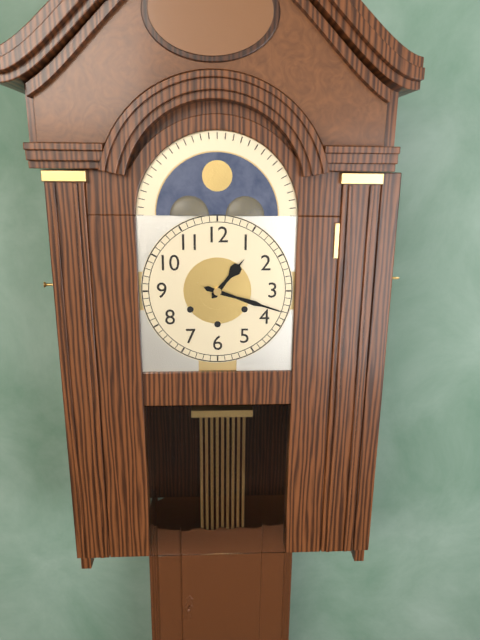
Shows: h=1 m=18
